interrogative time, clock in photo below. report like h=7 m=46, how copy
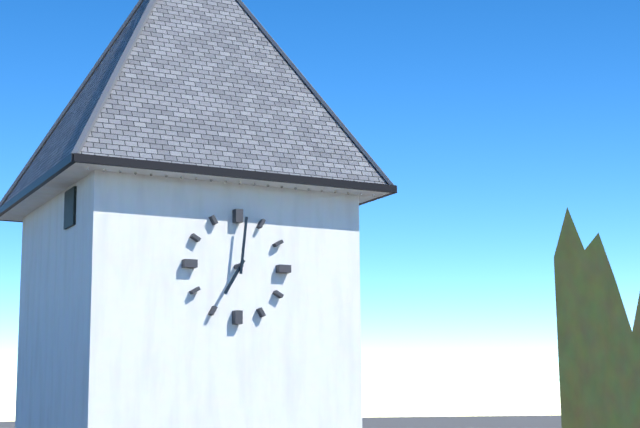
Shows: h=7 m=1
